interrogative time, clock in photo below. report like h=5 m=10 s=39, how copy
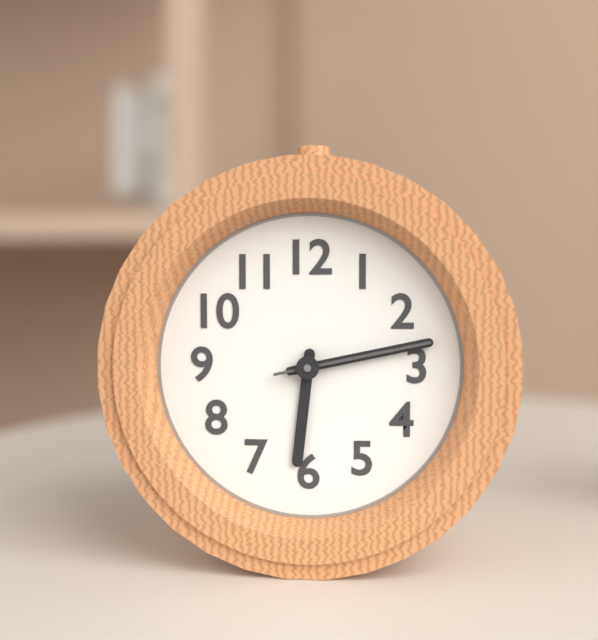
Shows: h=6 m=13 s=13
